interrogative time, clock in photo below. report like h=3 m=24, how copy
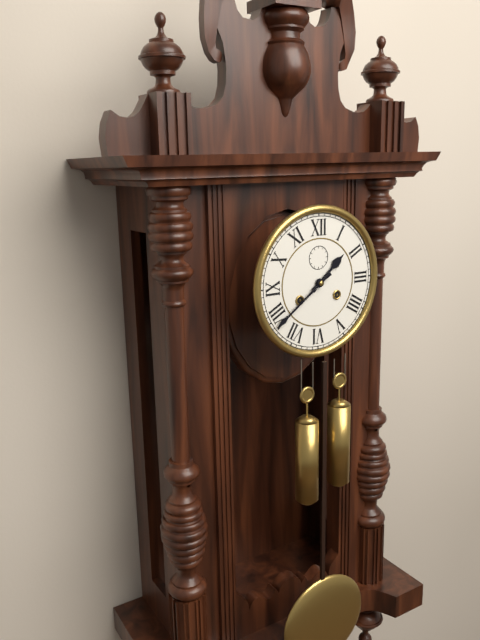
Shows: h=1 m=39
